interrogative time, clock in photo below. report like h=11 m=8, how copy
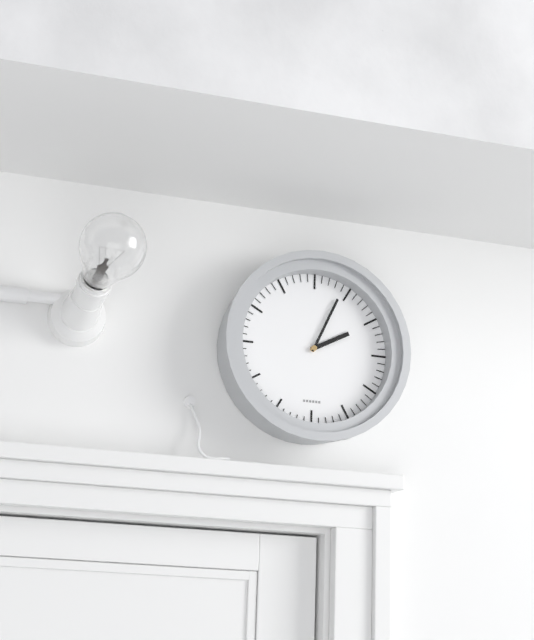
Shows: h=2 m=4
